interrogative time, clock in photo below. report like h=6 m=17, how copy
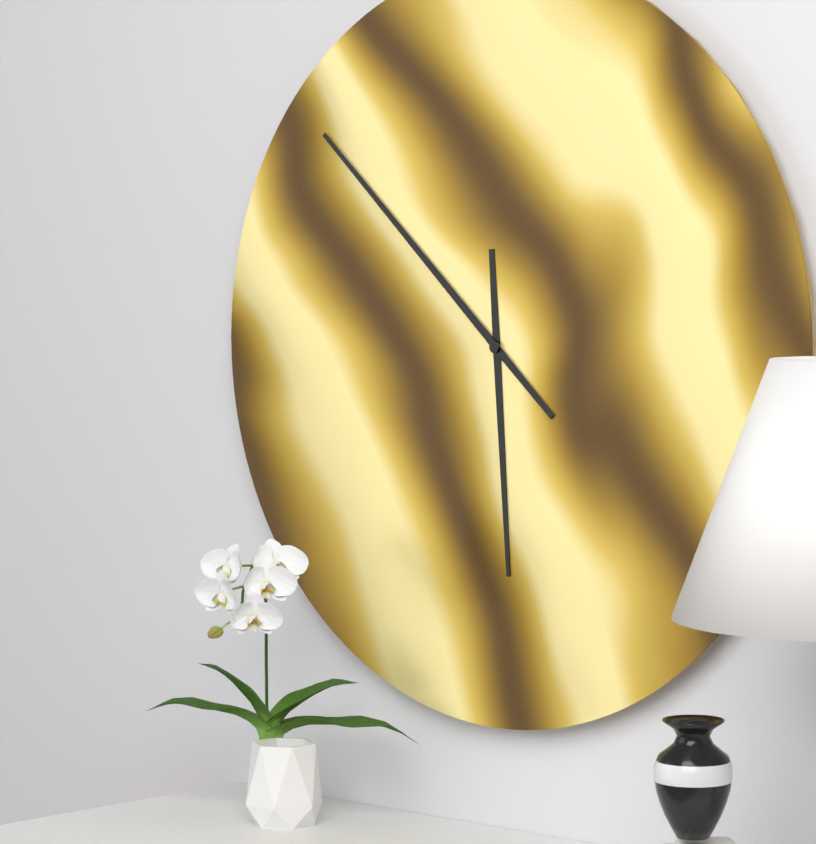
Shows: h=5 m=52
